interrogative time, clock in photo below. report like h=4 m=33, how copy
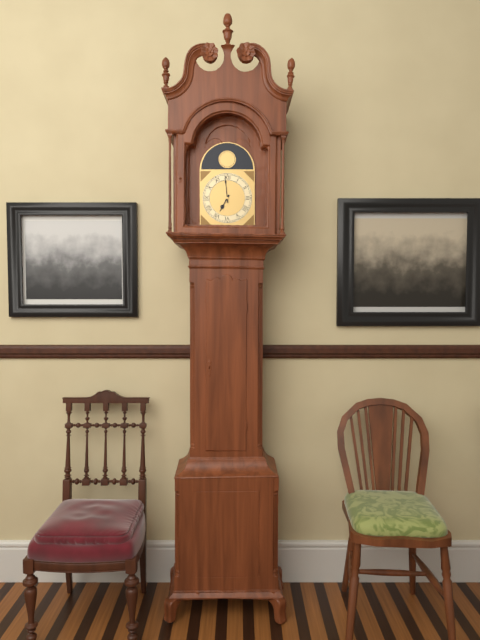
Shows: h=6 m=59
